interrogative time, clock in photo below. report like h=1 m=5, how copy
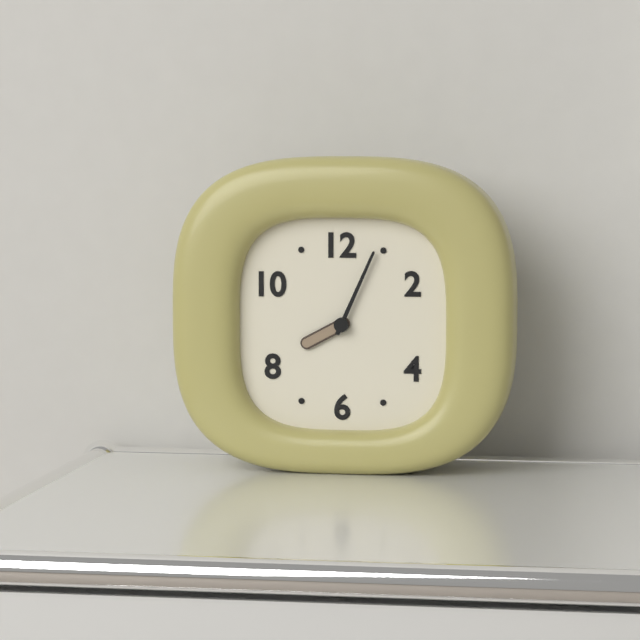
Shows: h=8 m=4
